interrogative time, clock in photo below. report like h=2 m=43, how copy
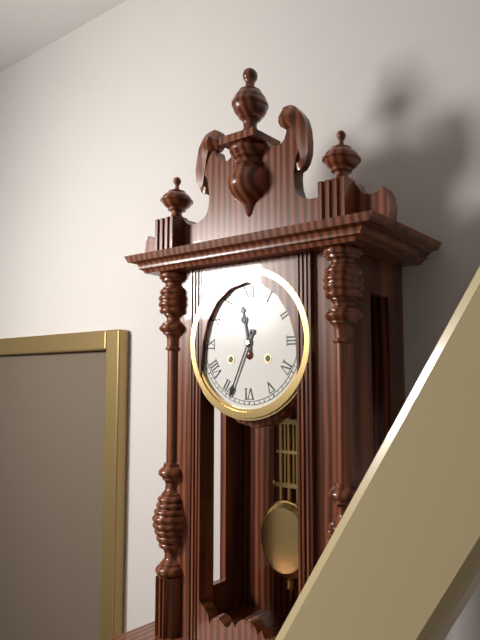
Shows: h=11 m=34
